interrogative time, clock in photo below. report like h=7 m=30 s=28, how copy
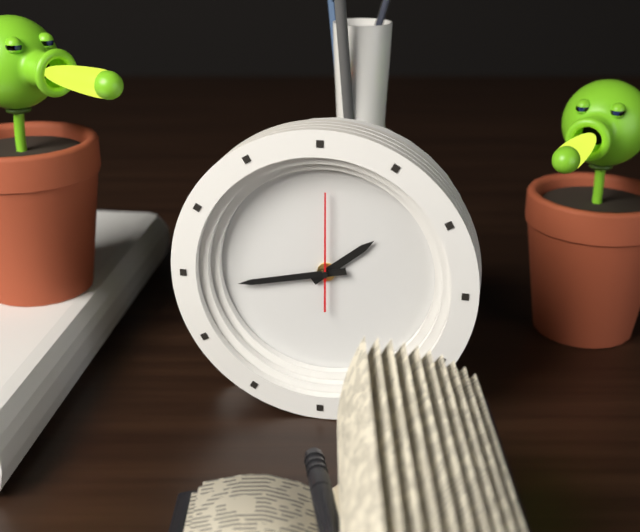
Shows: h=1 m=43 s=0
